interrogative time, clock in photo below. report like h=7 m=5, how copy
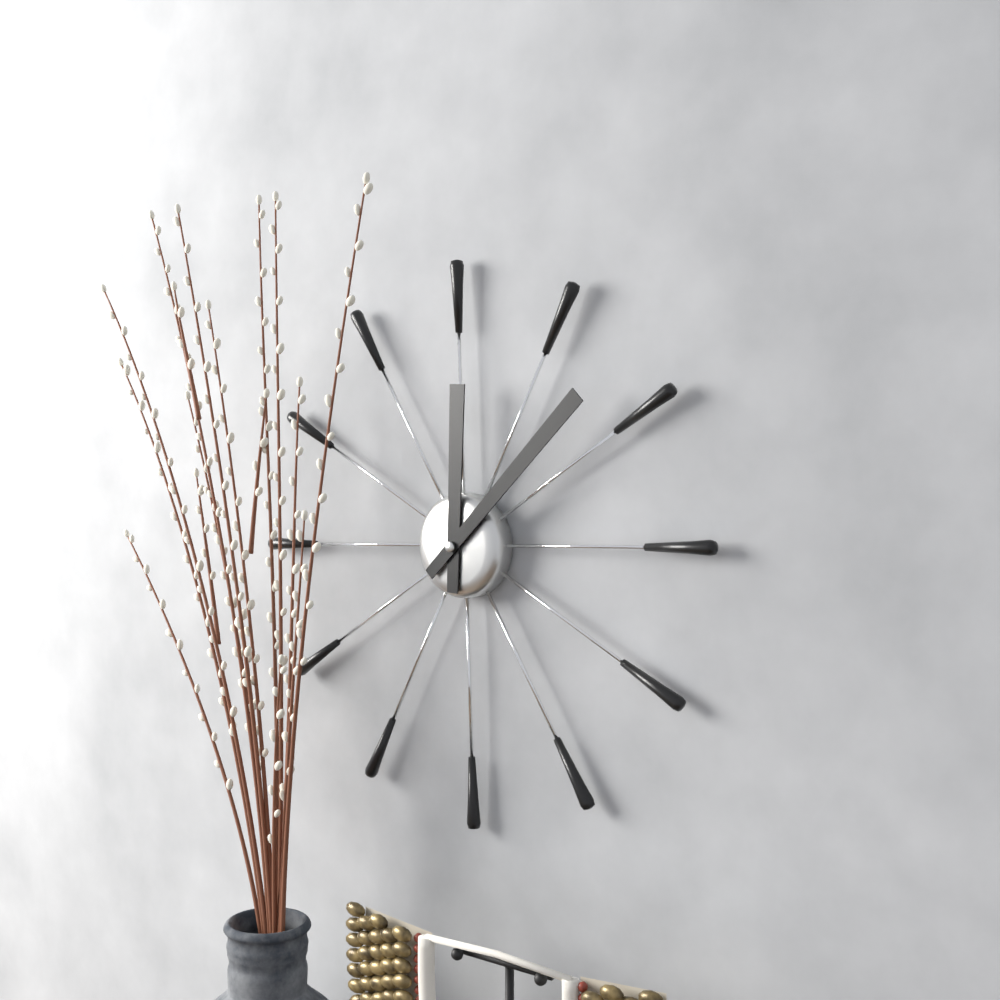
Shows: h=12 m=8
